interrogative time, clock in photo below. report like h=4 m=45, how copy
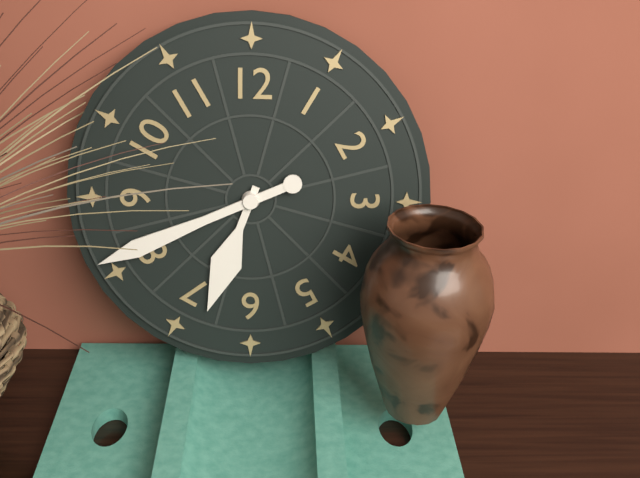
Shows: h=6 m=41
